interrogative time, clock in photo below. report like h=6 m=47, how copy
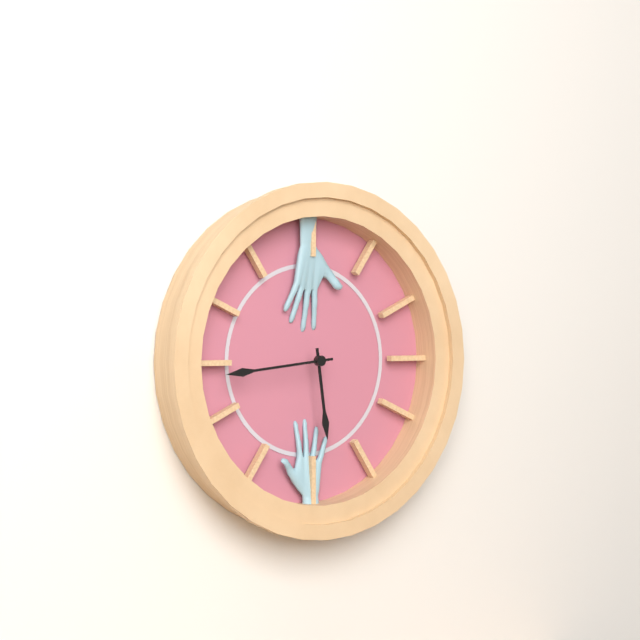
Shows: h=5 m=44
